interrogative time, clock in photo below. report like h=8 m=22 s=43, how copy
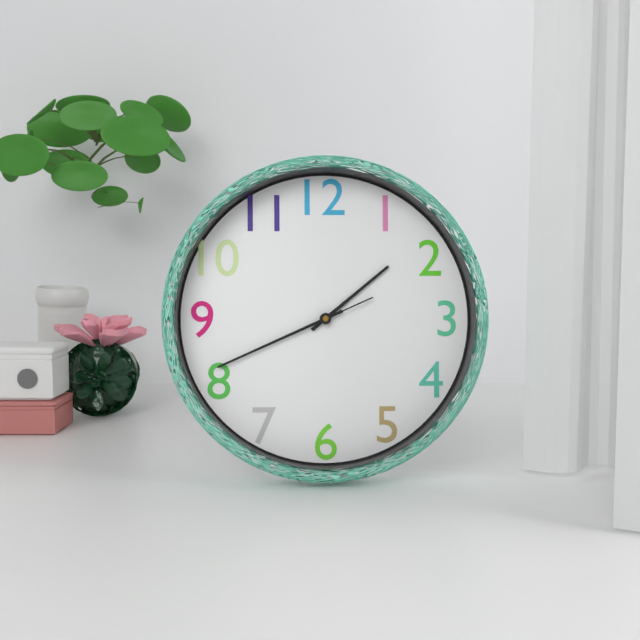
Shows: h=1 m=41 s=41
